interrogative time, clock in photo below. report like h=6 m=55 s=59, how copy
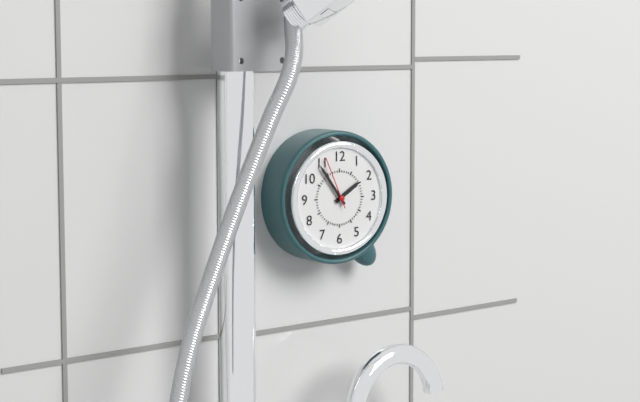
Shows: h=1 m=54 s=56
